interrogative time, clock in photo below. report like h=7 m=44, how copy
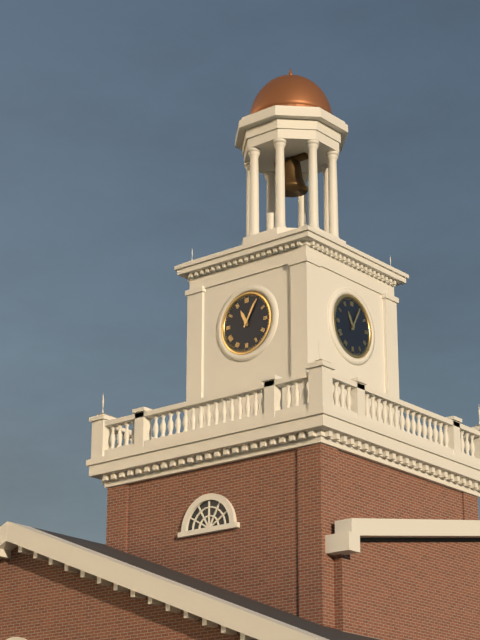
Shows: h=11 m=5
